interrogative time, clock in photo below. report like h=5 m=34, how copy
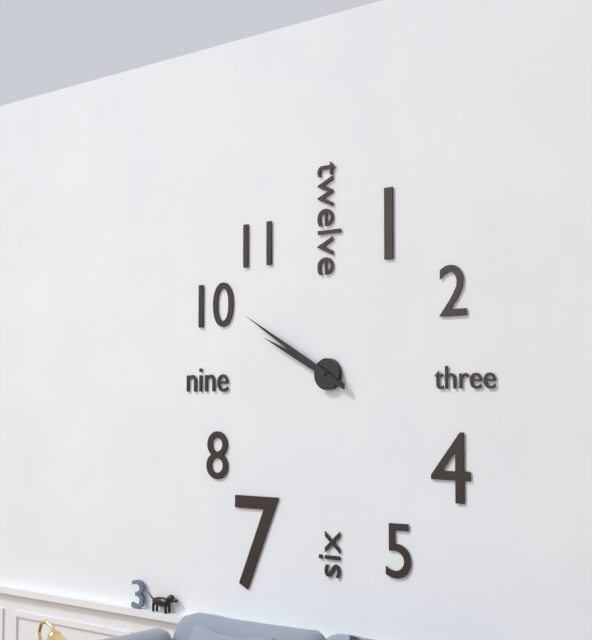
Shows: h=9 m=50
